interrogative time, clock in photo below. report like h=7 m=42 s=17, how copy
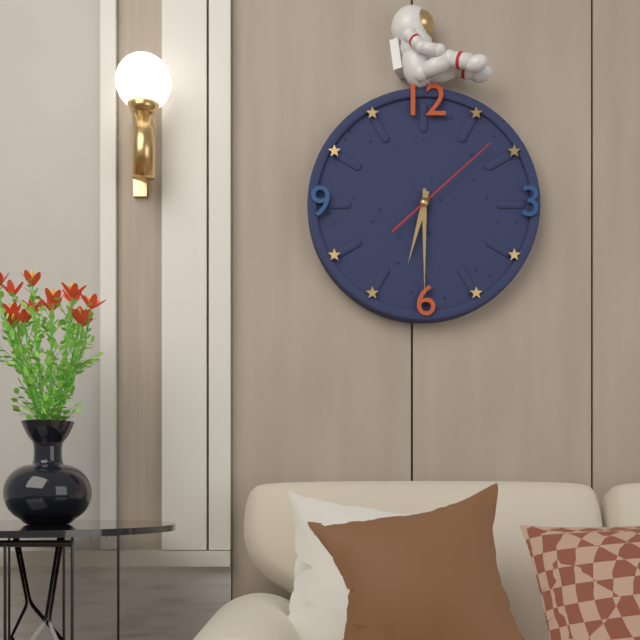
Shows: h=6 m=30 s=8
